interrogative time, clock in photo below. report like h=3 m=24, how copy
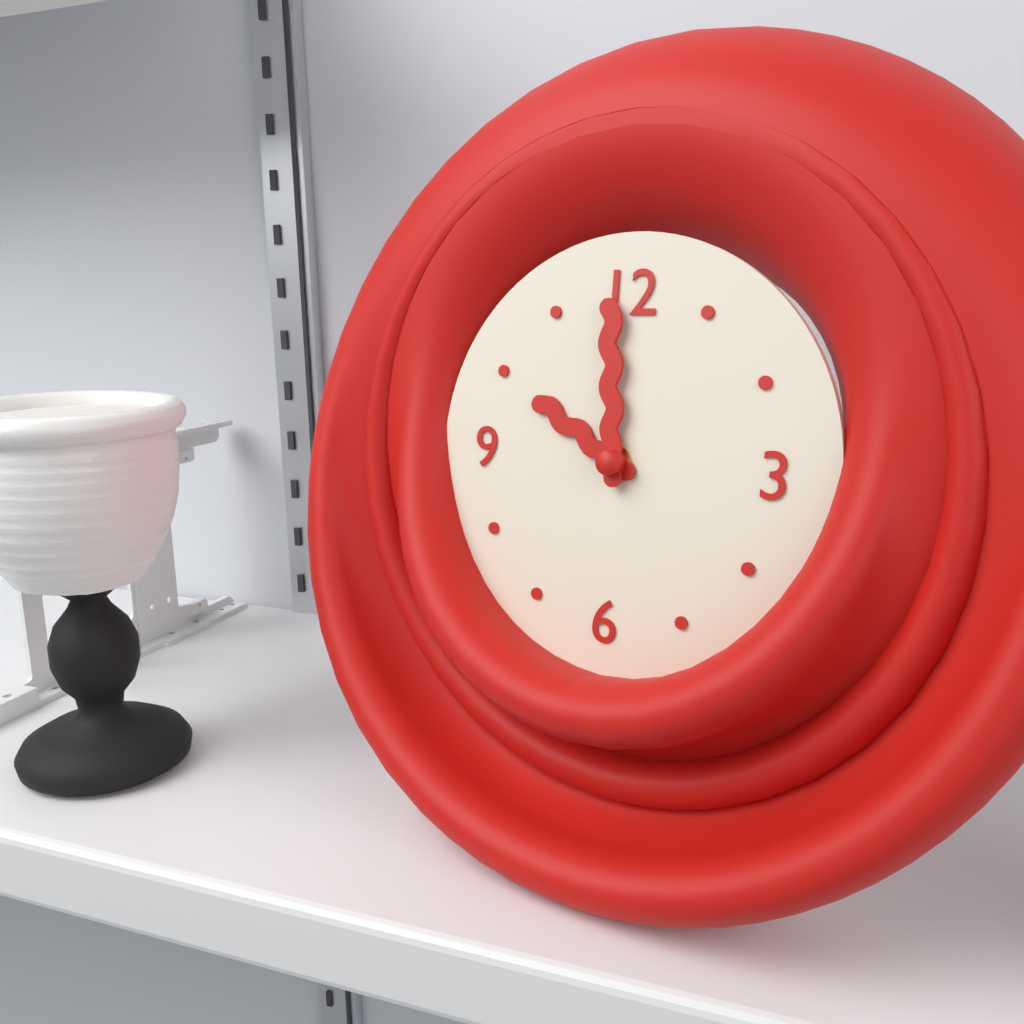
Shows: h=9 m=59
